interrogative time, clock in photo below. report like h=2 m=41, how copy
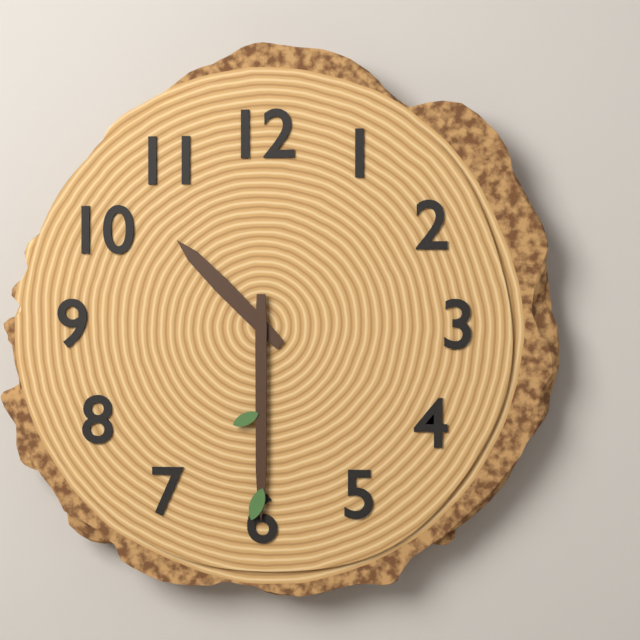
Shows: h=10 m=30
